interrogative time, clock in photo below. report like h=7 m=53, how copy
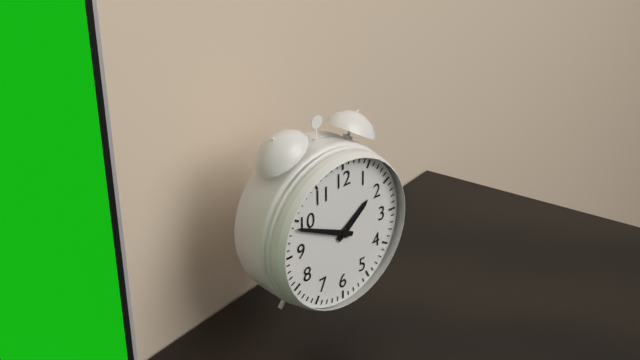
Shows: h=1 m=49
